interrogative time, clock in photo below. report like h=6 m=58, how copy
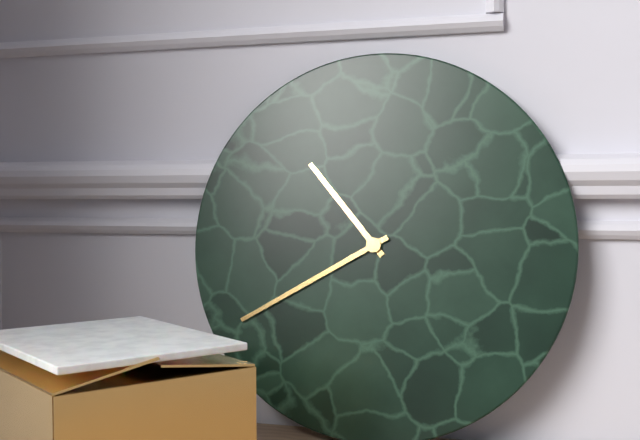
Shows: h=10 m=40
